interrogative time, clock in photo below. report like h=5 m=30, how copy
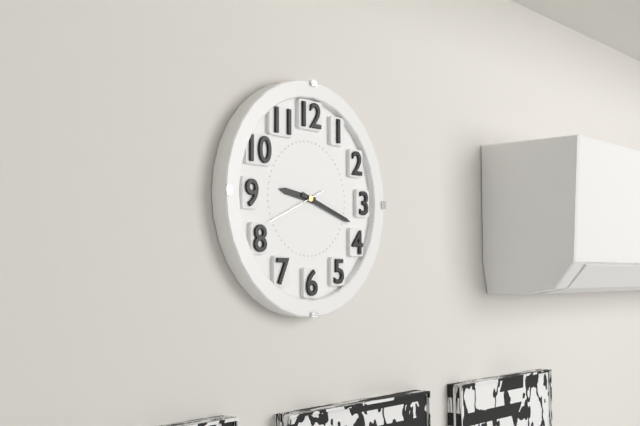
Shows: h=9 m=18
